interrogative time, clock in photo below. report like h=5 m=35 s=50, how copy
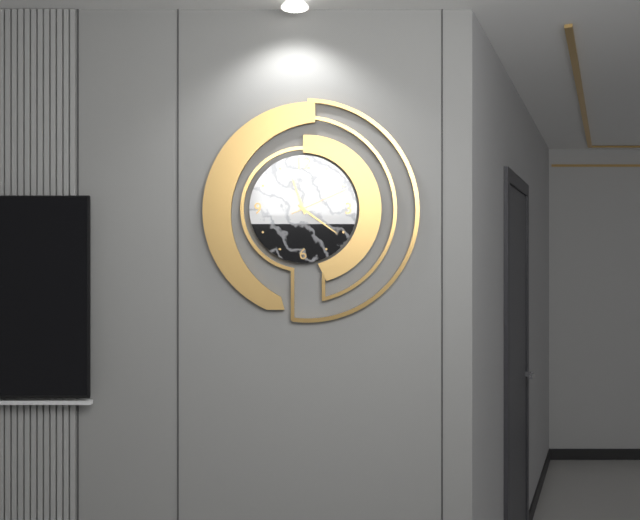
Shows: h=11 m=21 s=11
